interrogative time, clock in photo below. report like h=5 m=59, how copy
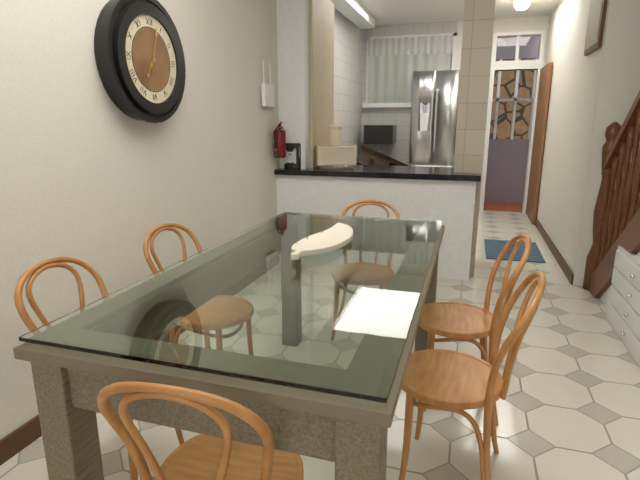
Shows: h=7 m=3
